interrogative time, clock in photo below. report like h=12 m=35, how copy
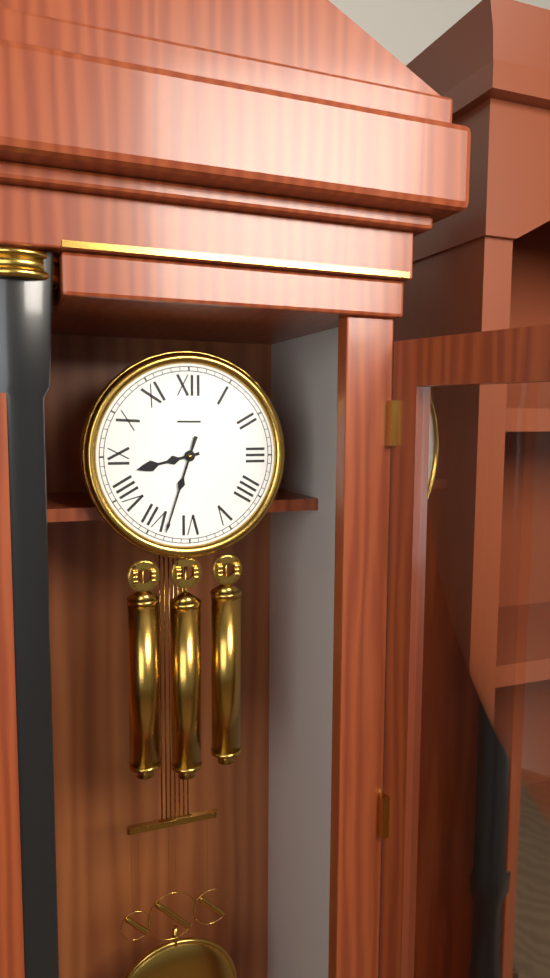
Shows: h=8 m=33
